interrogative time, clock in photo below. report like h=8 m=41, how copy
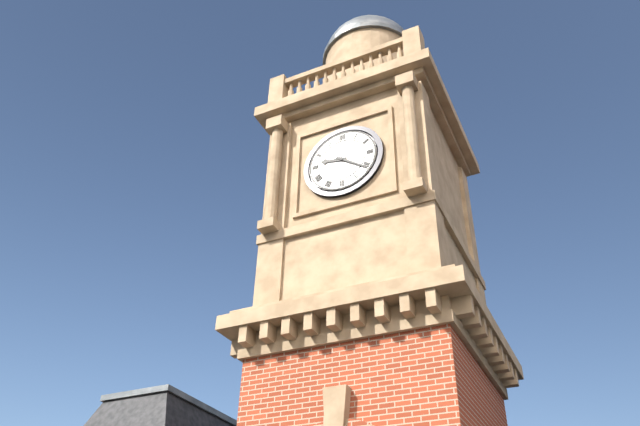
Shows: h=9 m=21
